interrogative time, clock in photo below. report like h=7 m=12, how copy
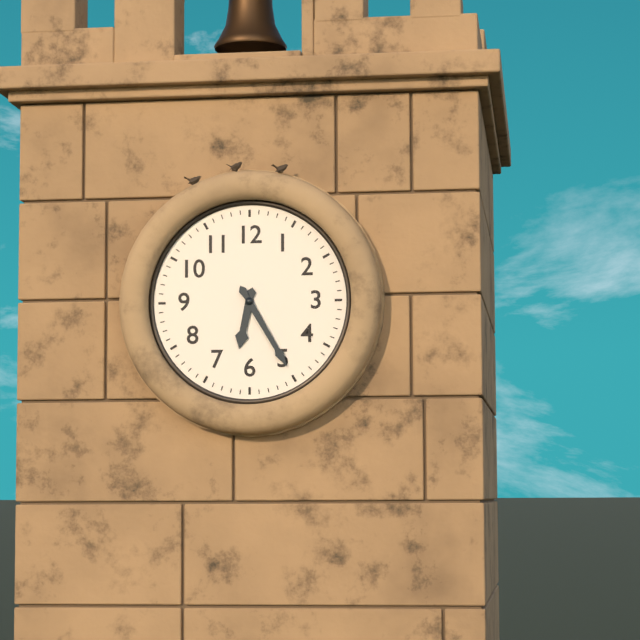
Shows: h=6 m=25
